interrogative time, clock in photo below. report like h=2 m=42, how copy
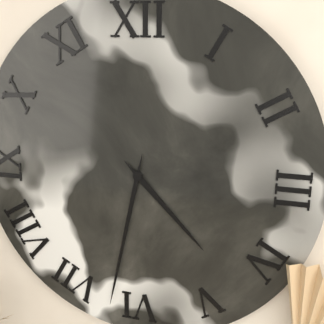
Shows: h=4 m=32
